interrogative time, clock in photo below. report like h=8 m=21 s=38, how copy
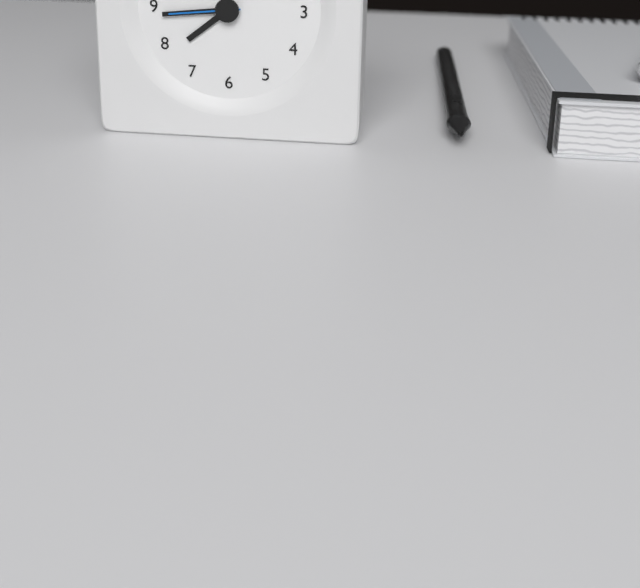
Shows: h=7 m=44 s=44
